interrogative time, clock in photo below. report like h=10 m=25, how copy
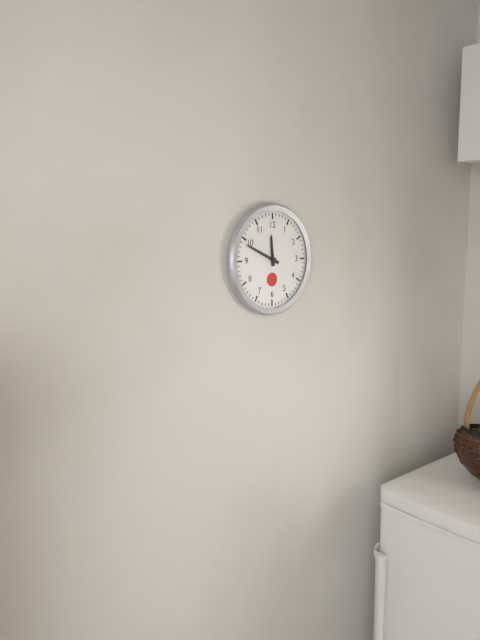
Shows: h=11 m=49
